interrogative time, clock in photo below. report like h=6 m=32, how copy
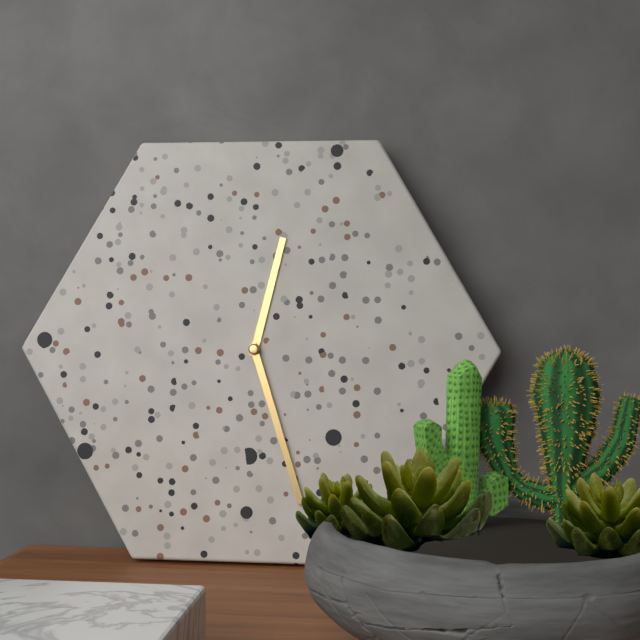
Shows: h=12 m=27
